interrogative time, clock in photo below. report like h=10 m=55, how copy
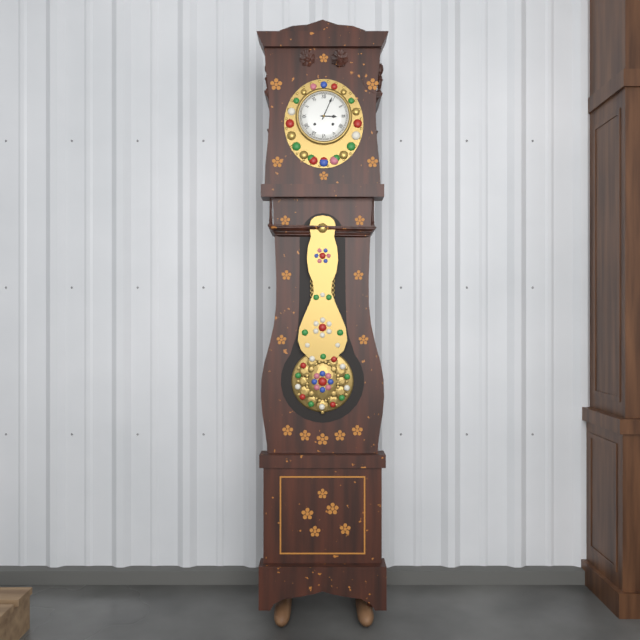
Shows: h=3 m=4
